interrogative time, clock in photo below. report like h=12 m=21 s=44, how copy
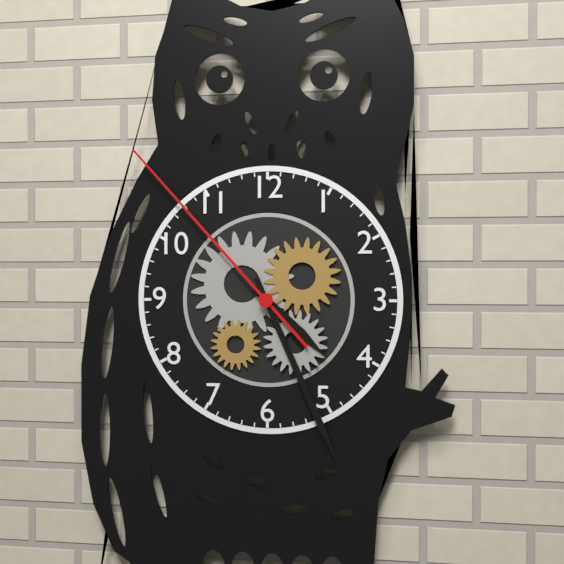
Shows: h=4 m=26 s=53
